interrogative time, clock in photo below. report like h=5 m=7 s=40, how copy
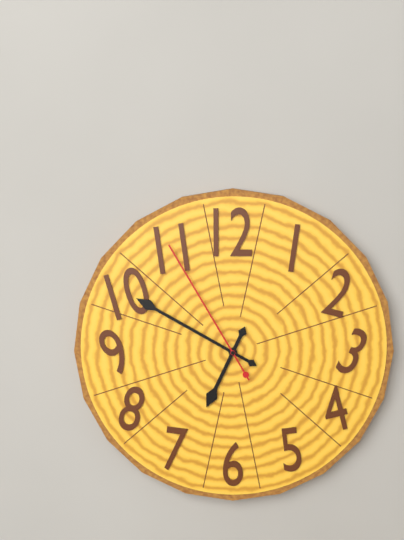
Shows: h=6 m=50 s=55
